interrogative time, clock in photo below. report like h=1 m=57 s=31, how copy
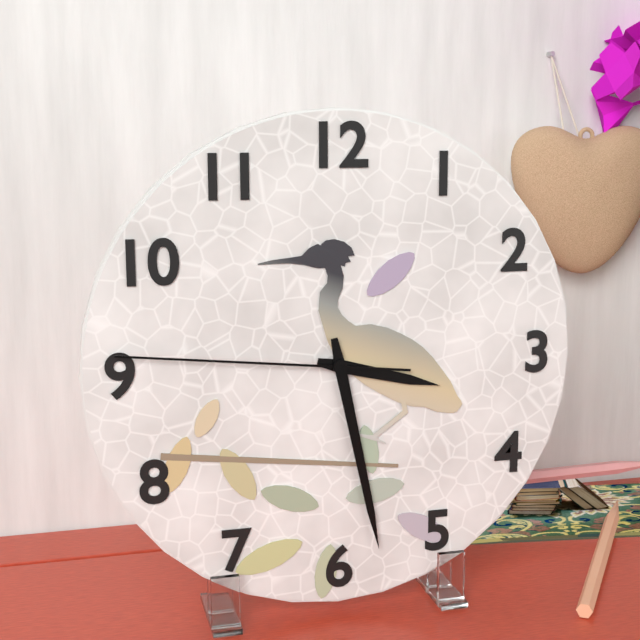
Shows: h=3 m=28 s=46
